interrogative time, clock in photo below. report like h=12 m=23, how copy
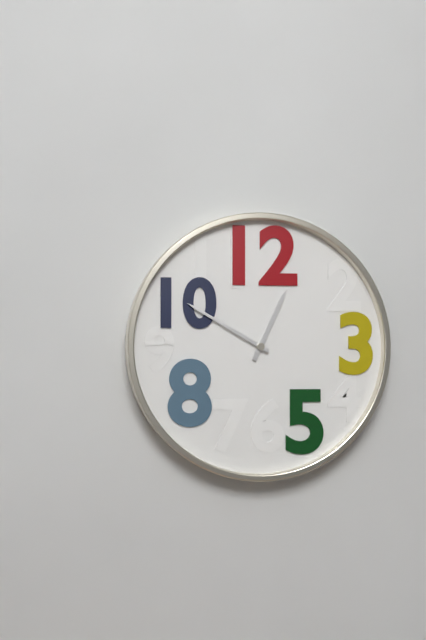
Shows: h=12 m=50
